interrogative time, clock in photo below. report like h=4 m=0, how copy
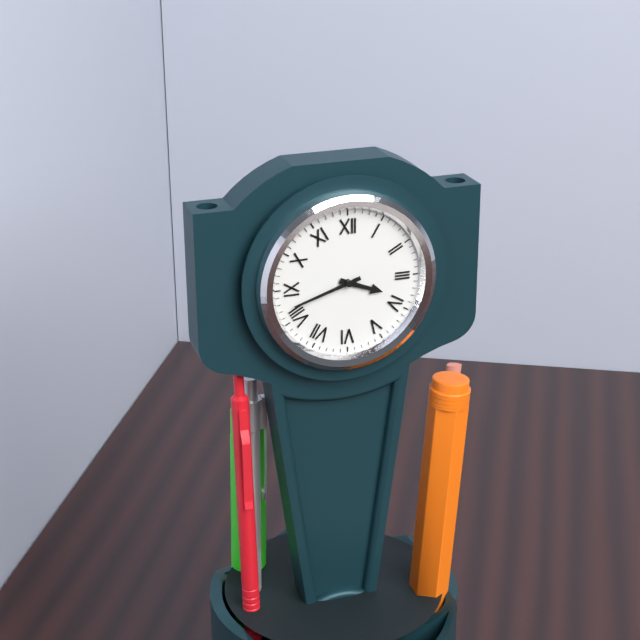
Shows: h=3 m=42
